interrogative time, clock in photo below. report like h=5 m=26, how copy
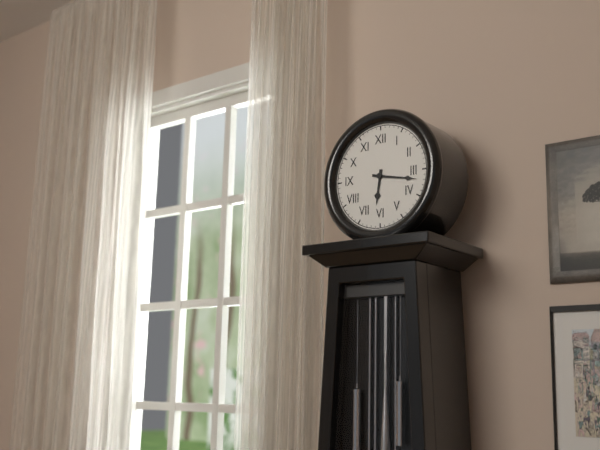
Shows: h=6 m=17
